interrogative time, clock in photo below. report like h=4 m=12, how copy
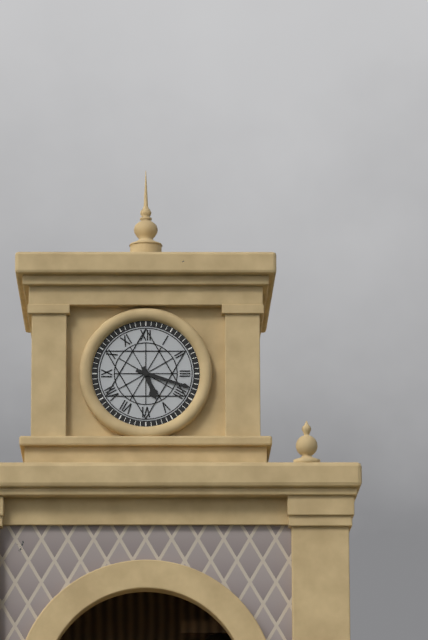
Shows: h=5 m=18
